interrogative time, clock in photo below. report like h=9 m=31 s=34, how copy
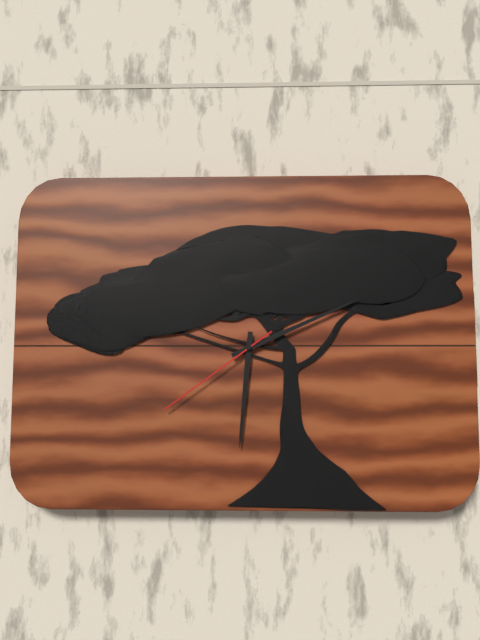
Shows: h=6 m=11 s=39
